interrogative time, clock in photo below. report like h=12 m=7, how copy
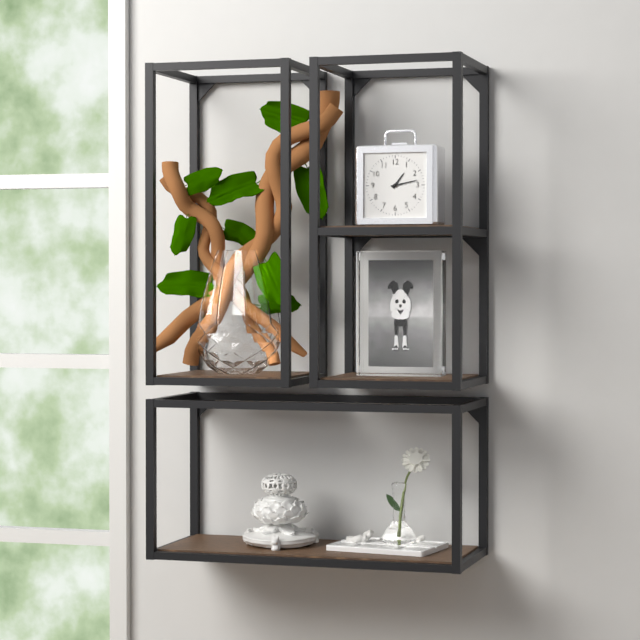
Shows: h=1 m=13
